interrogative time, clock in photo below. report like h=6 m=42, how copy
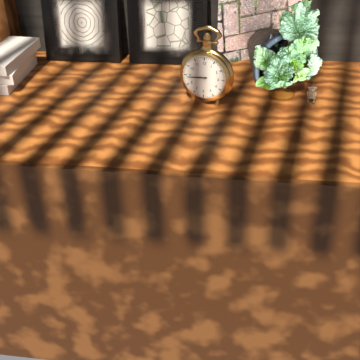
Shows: h=8 m=44
